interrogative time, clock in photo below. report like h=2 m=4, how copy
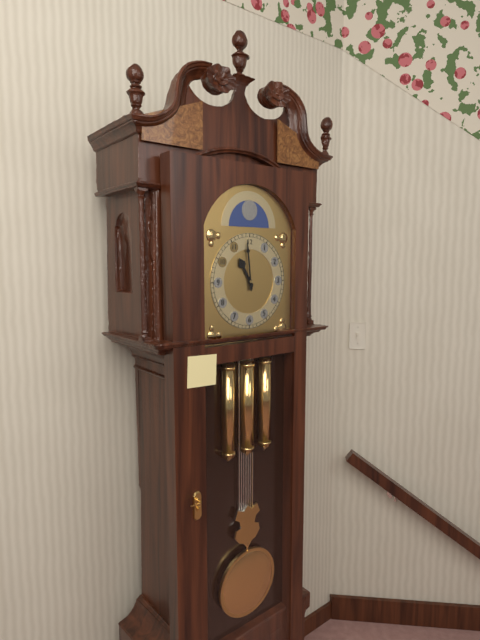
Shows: h=10 m=59
